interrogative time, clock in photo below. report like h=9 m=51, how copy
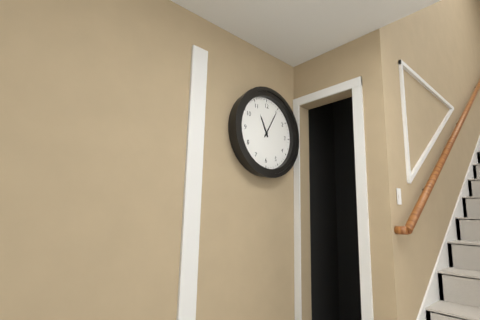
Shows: h=11 m=5
